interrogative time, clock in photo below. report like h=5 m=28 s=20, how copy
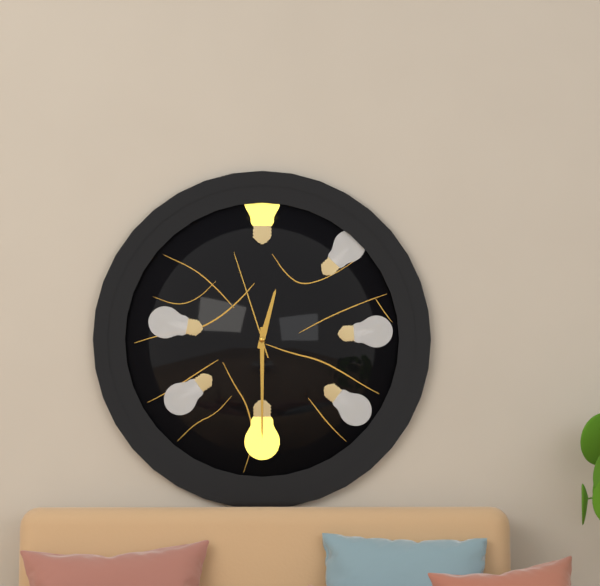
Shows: h=12 m=30 s=57
